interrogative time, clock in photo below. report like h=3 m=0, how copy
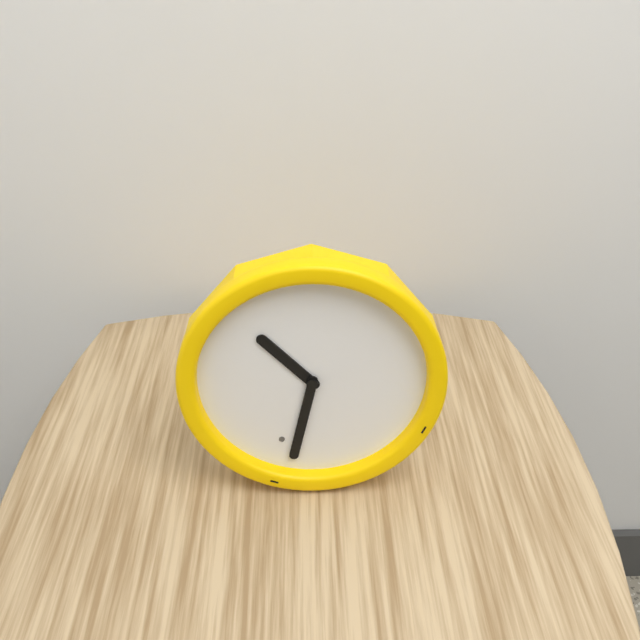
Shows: h=10 m=32
